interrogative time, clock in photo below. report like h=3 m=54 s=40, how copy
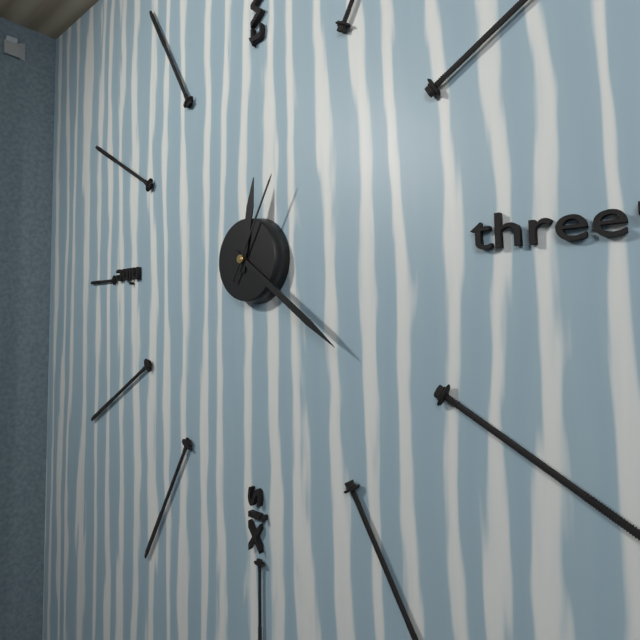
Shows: h=12 m=21 s=5
